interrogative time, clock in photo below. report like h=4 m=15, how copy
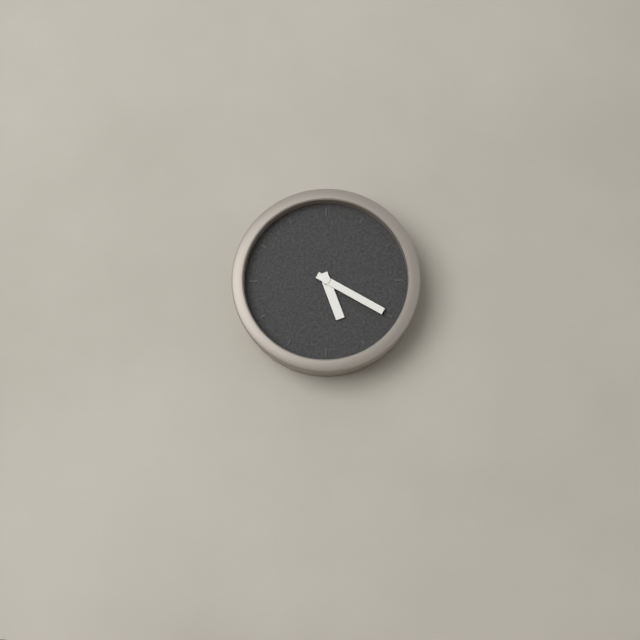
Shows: h=5 m=20
